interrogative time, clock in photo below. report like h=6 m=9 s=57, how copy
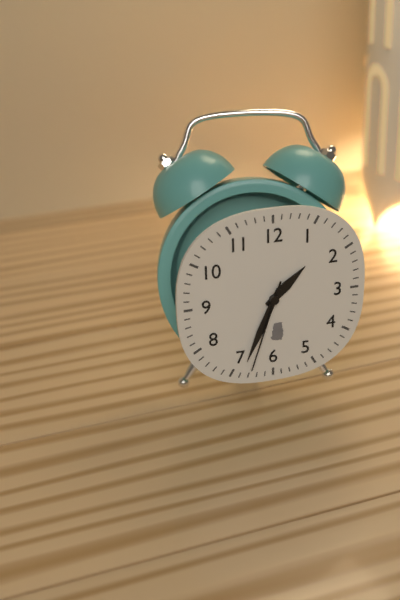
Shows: h=1 m=34 s=33
